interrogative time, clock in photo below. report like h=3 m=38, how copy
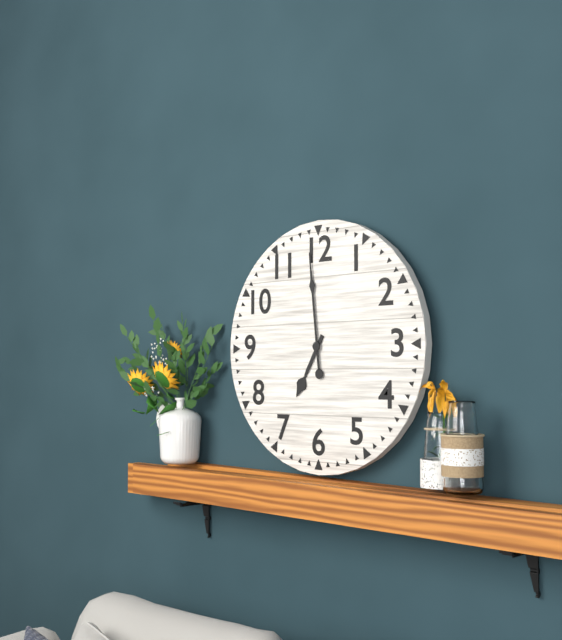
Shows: h=6 m=59
